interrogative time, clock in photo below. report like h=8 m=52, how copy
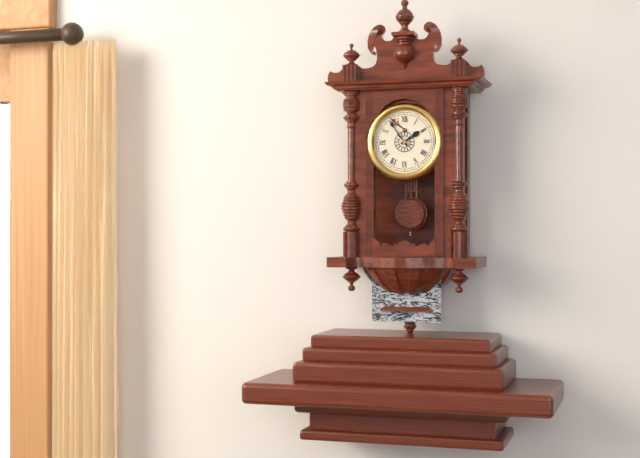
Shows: h=1 m=54
